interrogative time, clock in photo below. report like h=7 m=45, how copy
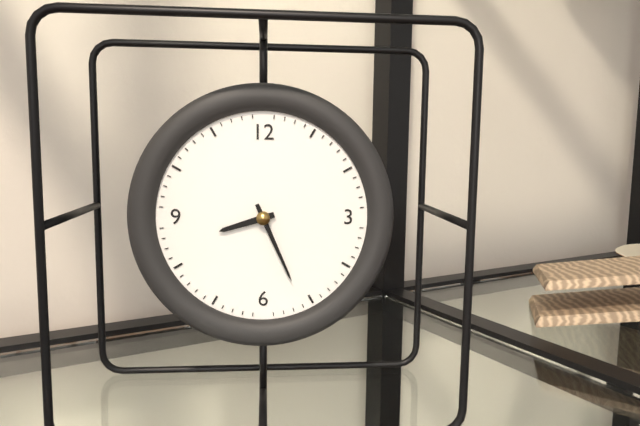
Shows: h=8 m=26
